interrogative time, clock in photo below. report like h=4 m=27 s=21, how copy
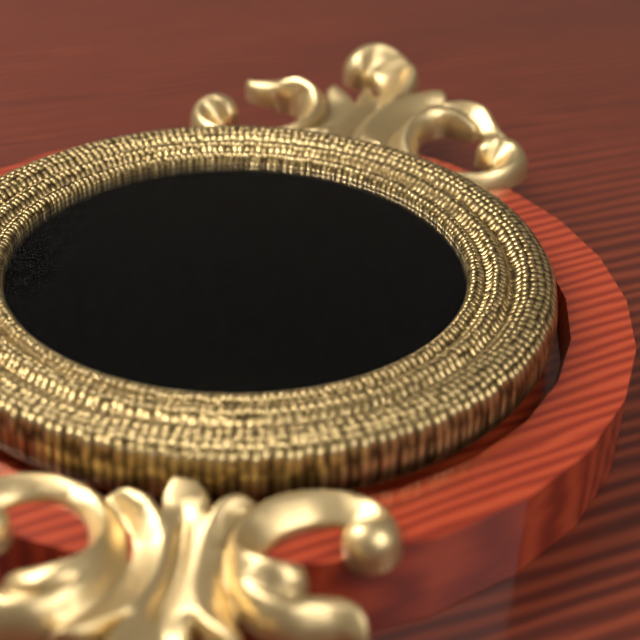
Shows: h=3 m=10 s=55
